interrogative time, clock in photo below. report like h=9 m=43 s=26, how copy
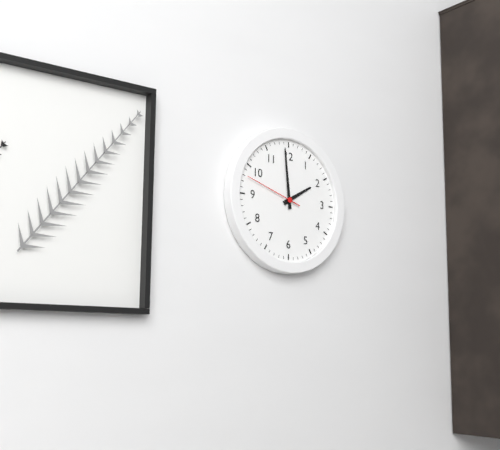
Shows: h=1 m=59 s=48
